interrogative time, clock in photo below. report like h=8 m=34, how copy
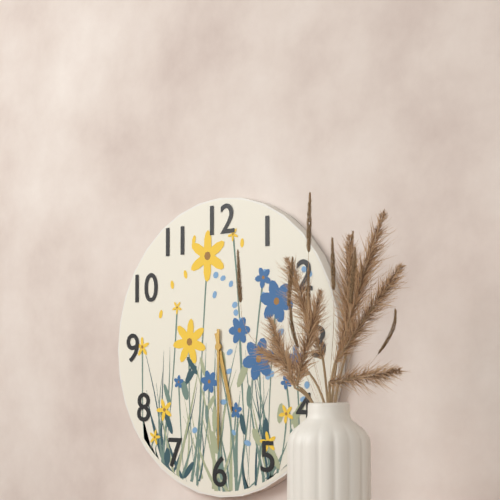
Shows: h=5 m=30
